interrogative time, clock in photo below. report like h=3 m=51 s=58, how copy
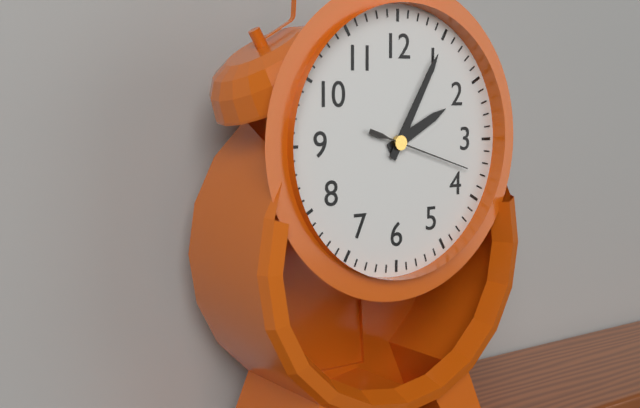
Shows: h=2 m=5 s=18
